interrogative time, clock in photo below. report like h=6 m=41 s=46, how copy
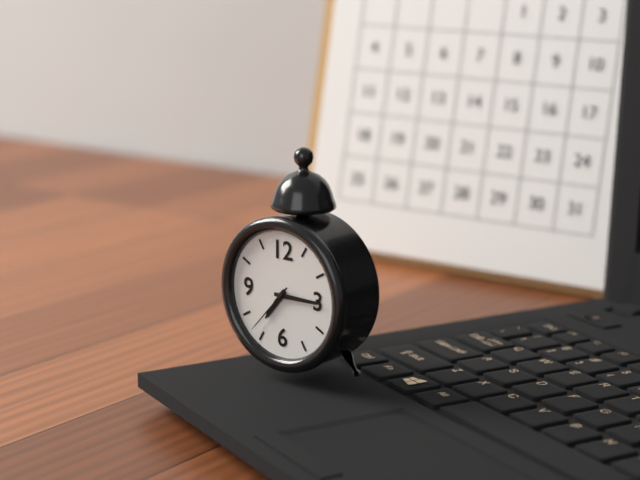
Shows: h=7 m=15 s=37
